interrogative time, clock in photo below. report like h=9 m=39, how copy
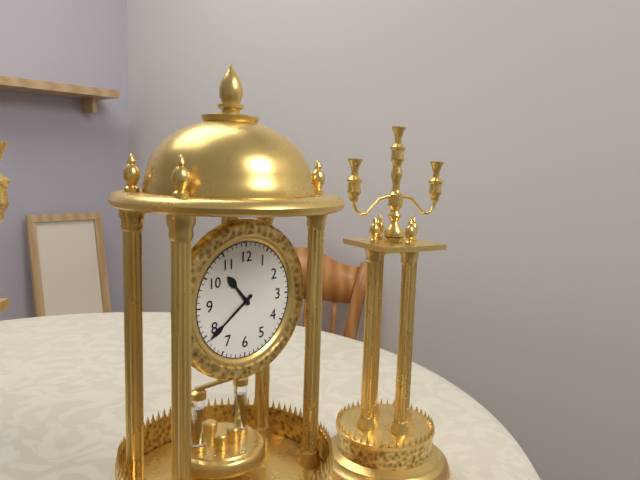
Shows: h=10 m=39
